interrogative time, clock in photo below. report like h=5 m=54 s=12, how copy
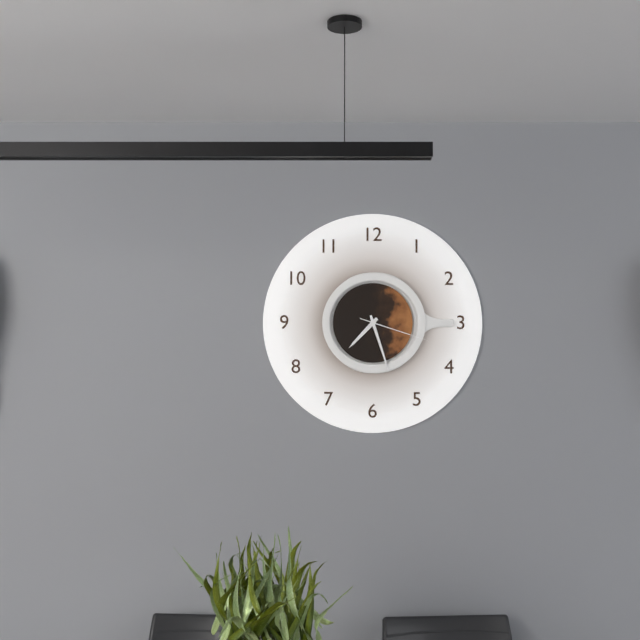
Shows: h=7 m=27 s=18
